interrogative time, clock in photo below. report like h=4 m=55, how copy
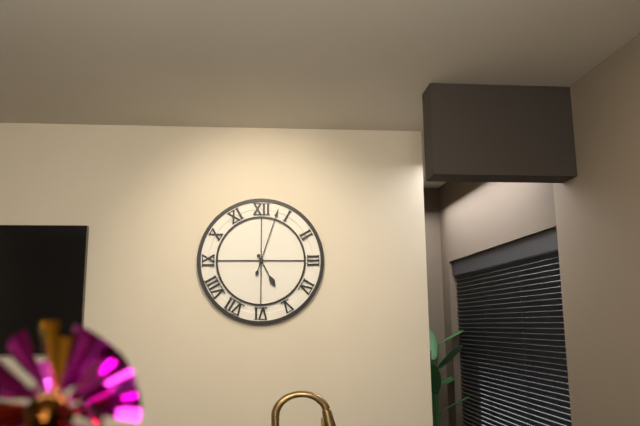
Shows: h=5 m=3
